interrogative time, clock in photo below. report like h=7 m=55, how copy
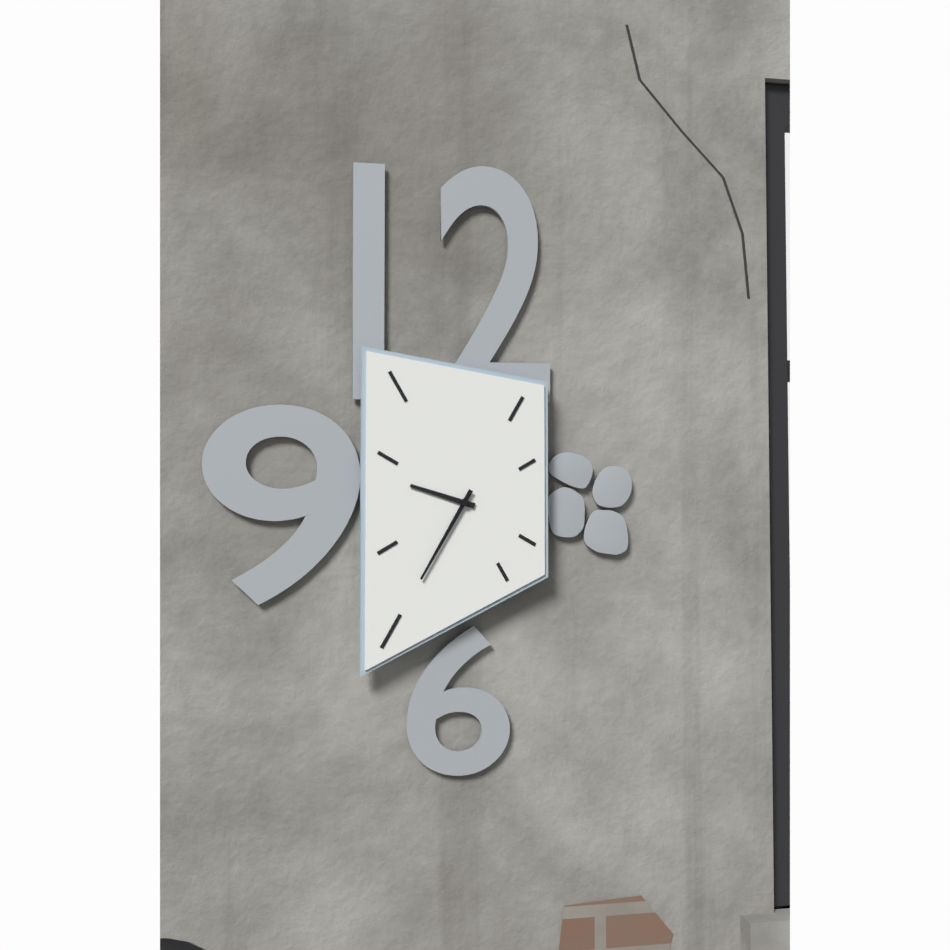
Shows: h=9 m=35
